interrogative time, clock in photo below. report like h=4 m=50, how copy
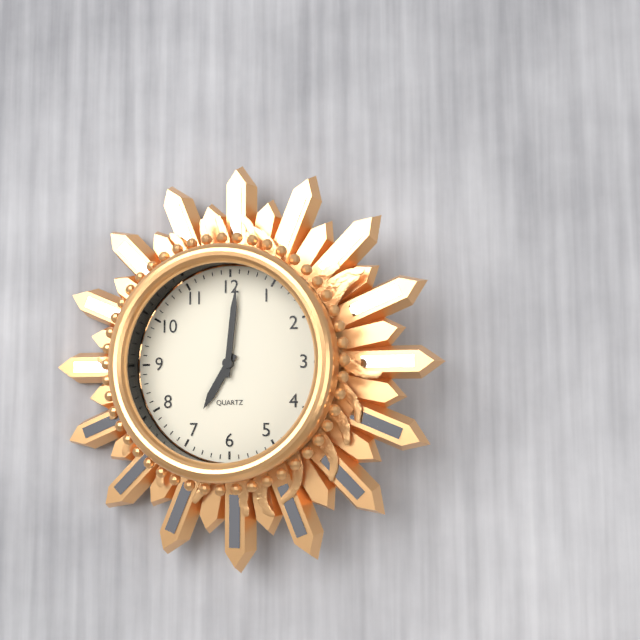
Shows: h=7 m=1
